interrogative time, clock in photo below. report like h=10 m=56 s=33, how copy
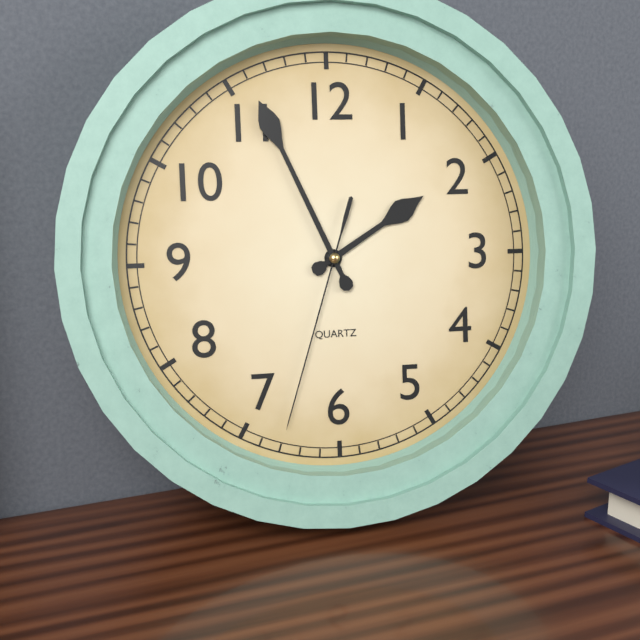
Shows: h=1 m=56 s=33
